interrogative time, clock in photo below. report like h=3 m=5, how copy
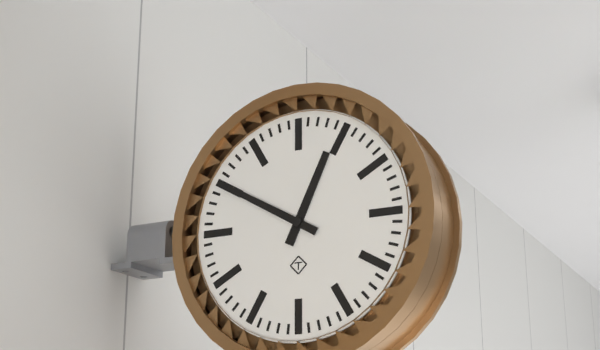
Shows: h=12 m=50
